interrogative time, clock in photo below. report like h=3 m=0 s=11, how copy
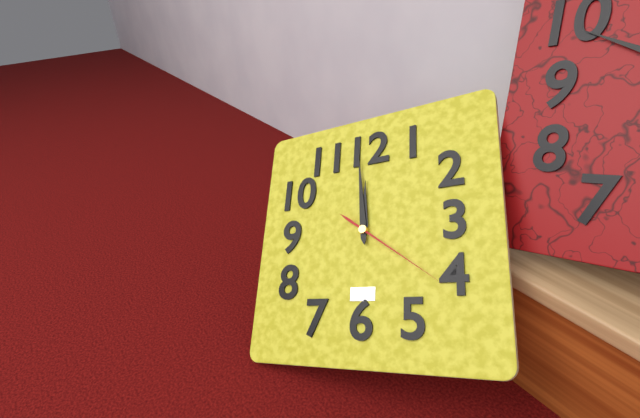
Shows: h=11 m=59 s=21
